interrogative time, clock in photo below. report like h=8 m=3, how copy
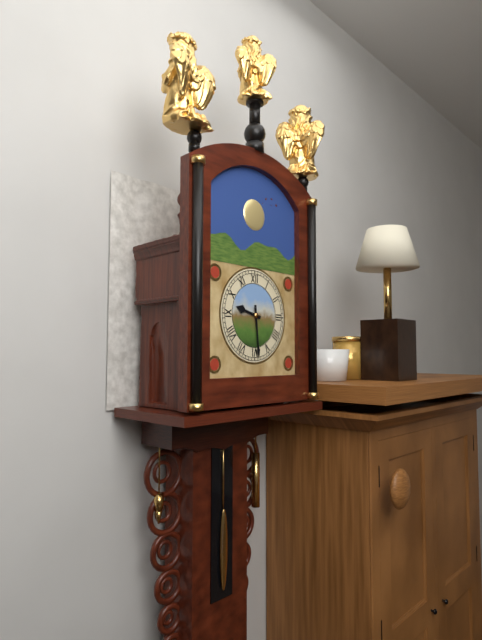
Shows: h=9 m=29
